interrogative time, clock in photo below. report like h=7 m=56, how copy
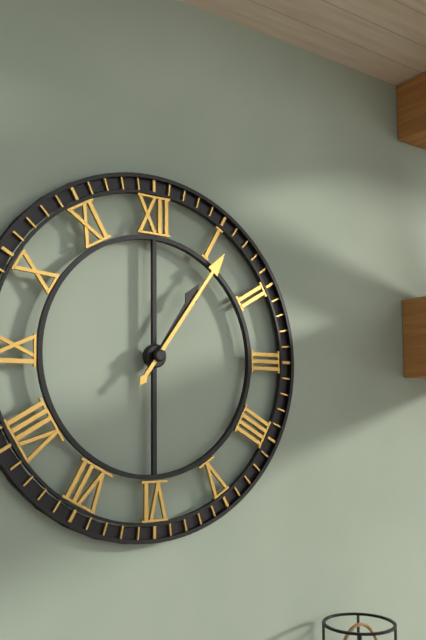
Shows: h=1 m=6
